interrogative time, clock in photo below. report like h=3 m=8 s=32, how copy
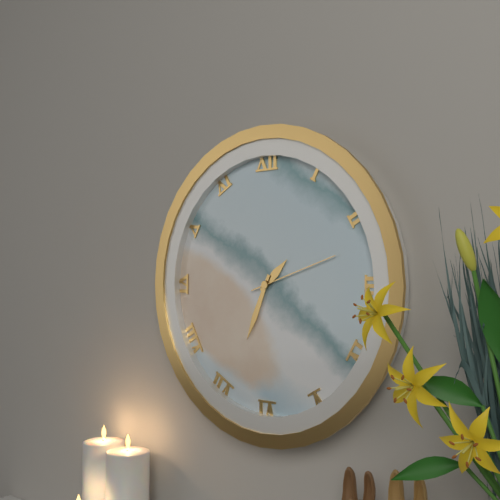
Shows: h=1 m=34 s=12
